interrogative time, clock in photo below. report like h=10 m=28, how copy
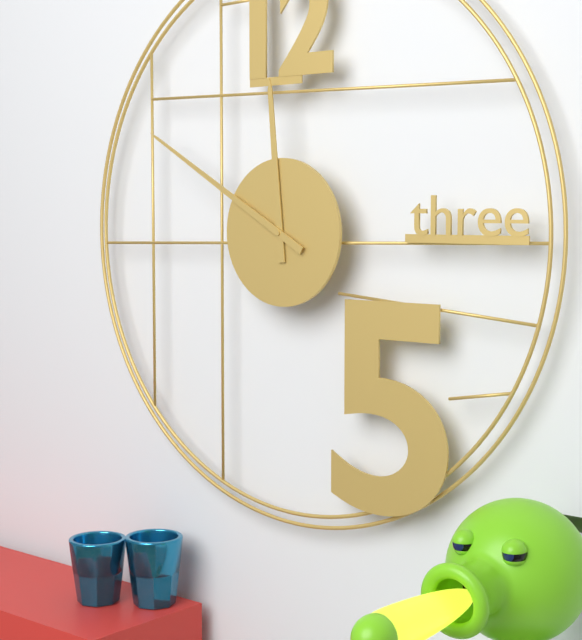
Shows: h=11 m=50
